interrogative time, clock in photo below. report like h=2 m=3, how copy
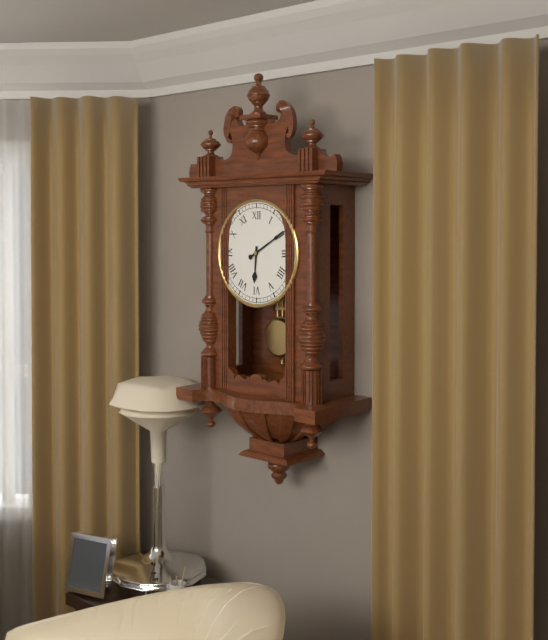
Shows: h=6 m=10
